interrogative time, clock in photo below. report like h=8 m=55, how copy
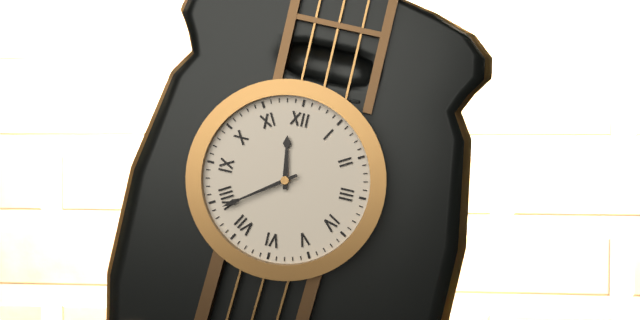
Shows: h=11 m=39
